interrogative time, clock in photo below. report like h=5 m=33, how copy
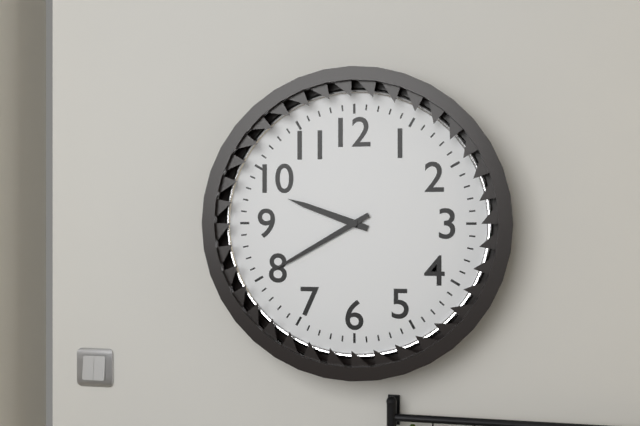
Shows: h=9 m=40
